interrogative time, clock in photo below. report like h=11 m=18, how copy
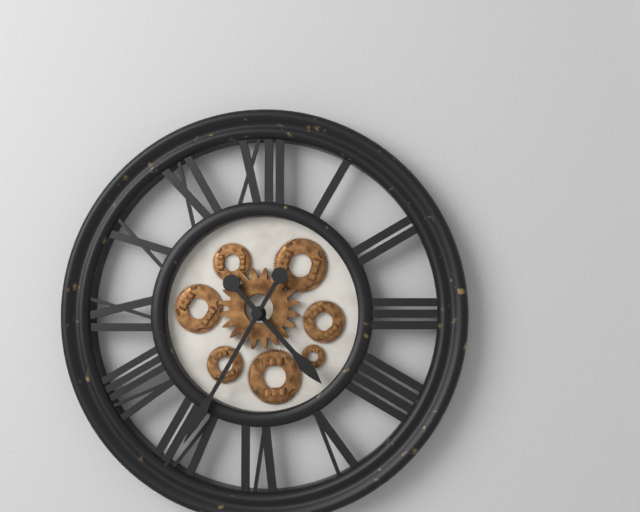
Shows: h=4 m=35
